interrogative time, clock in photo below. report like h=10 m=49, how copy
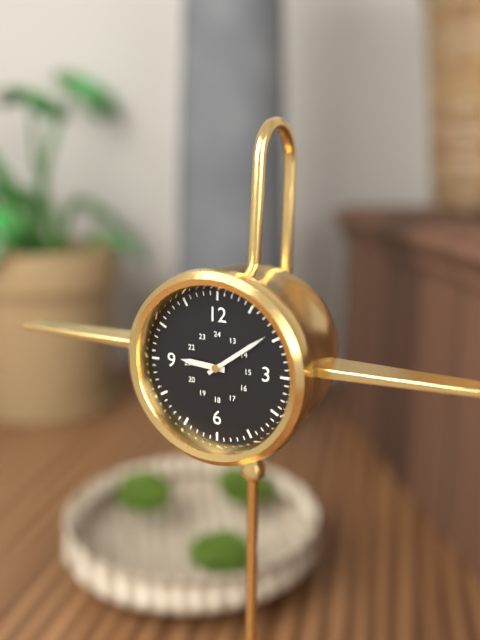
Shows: h=9 m=9
